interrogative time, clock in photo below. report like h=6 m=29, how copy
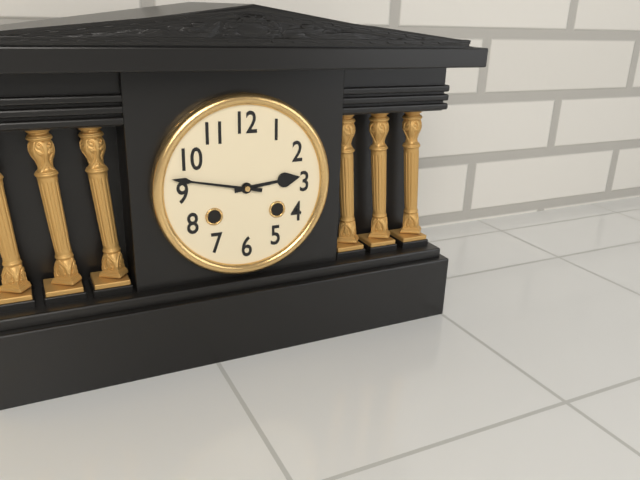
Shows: h=2 m=47
